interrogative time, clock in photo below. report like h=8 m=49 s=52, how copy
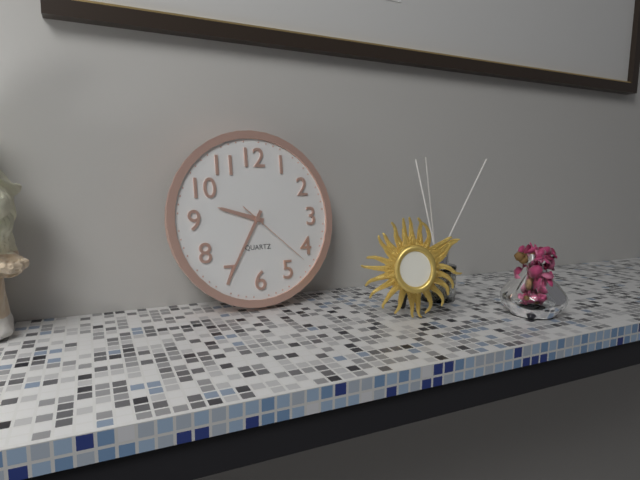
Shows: h=9 m=35 s=22
